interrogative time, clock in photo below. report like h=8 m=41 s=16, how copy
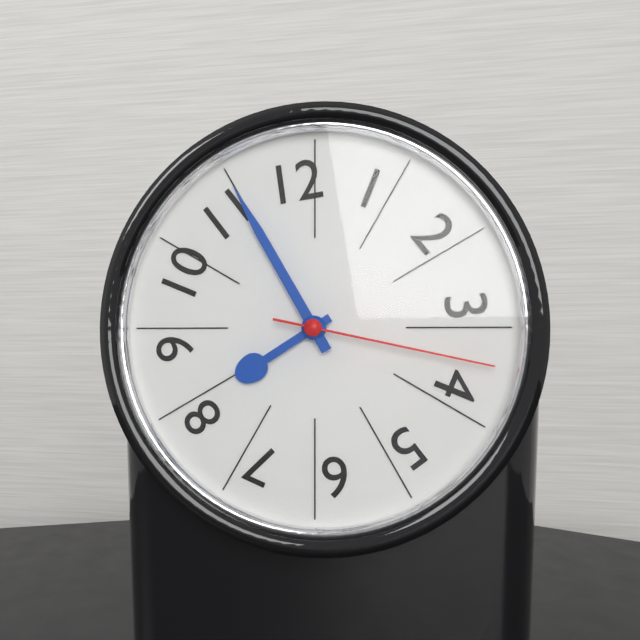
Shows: h=7 m=55 s=17
